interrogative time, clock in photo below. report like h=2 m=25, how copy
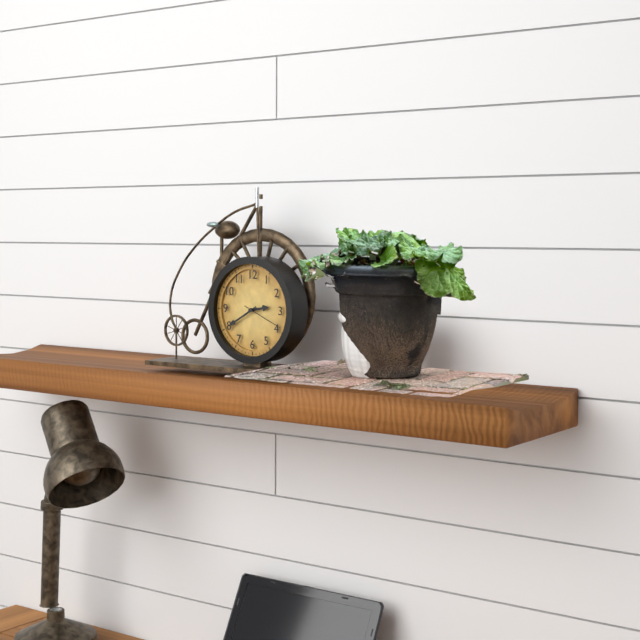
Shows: h=2 m=40
